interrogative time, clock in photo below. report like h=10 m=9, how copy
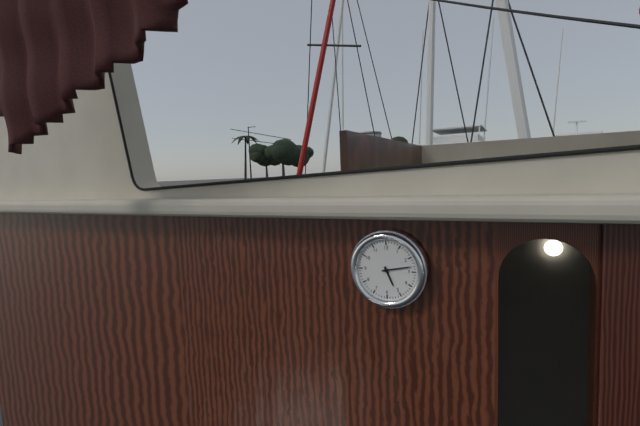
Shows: h=5 m=13
